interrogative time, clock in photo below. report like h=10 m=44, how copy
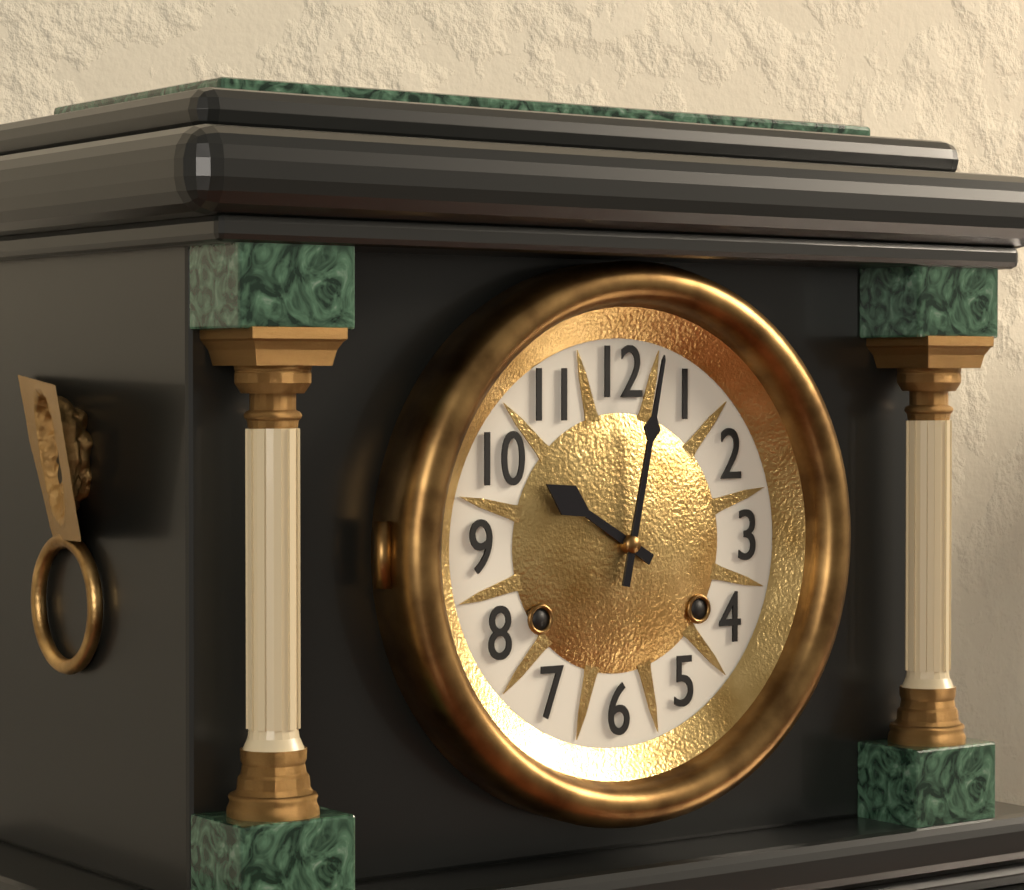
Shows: h=10 m=2
